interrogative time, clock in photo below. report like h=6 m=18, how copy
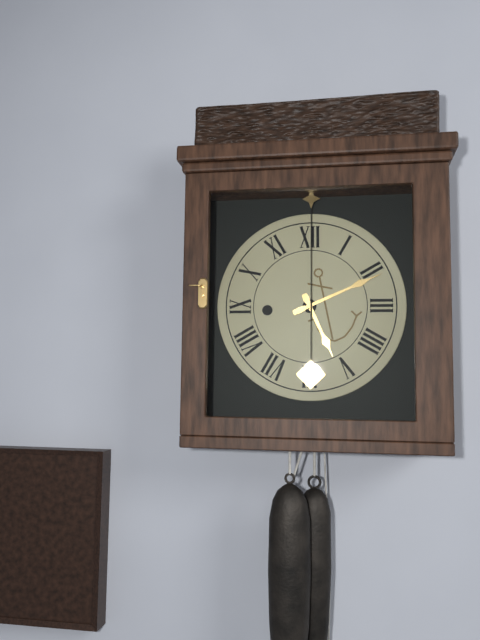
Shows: h=5 m=11
